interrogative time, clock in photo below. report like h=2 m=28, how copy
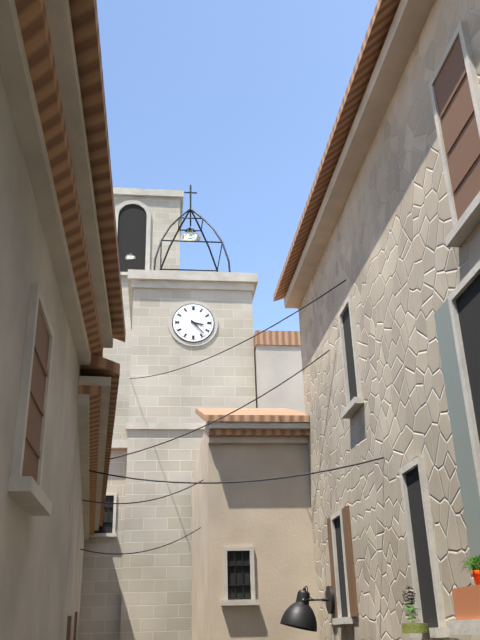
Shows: h=3 m=23
